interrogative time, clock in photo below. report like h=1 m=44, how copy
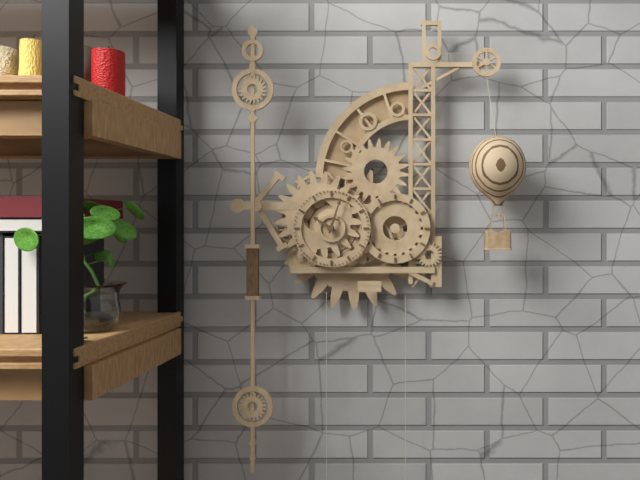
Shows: h=10 m=3
